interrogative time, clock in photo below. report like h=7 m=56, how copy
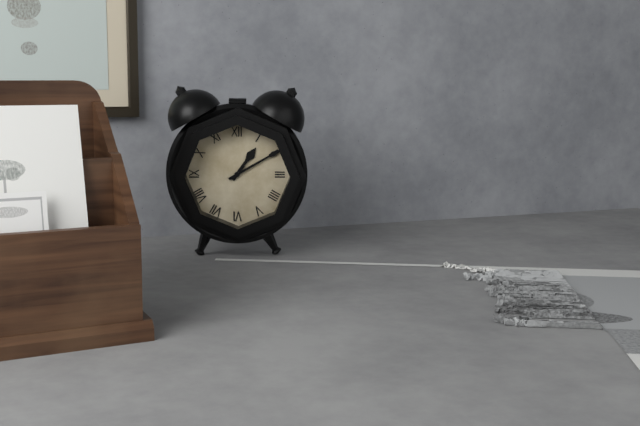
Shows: h=1 m=10
